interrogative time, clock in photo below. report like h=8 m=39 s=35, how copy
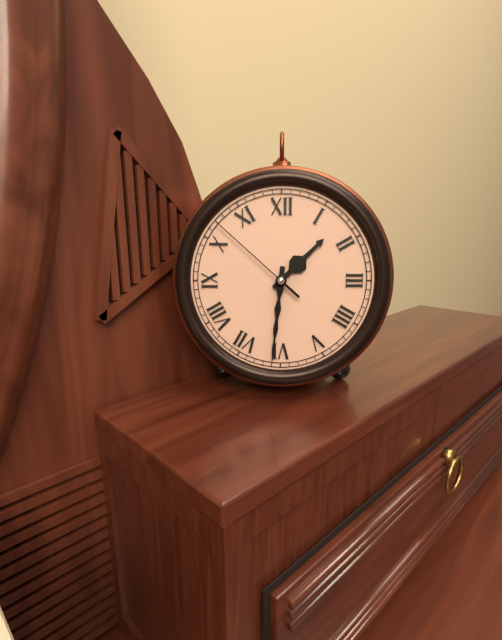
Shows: h=1 m=31 s=52
